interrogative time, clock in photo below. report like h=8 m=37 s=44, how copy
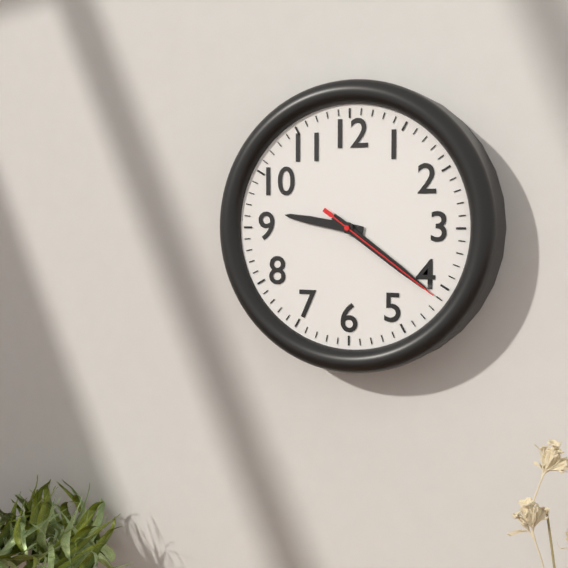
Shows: h=9 m=21 s=21
